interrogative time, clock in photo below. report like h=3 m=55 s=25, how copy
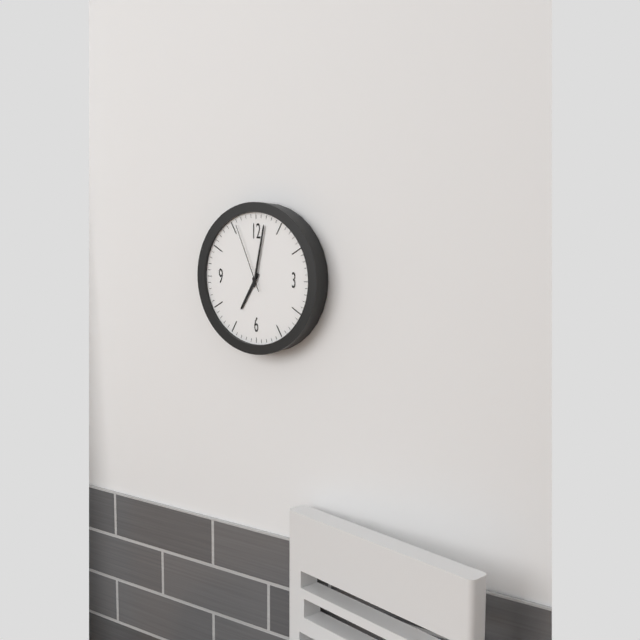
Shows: h=7 m=2 s=56
